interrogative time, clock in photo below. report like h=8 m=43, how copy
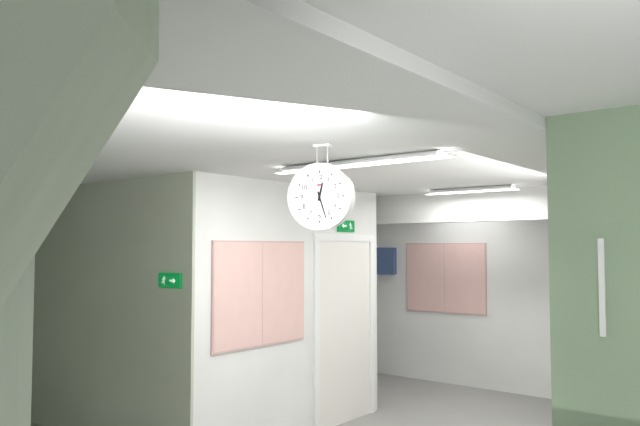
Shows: h=12 m=27
